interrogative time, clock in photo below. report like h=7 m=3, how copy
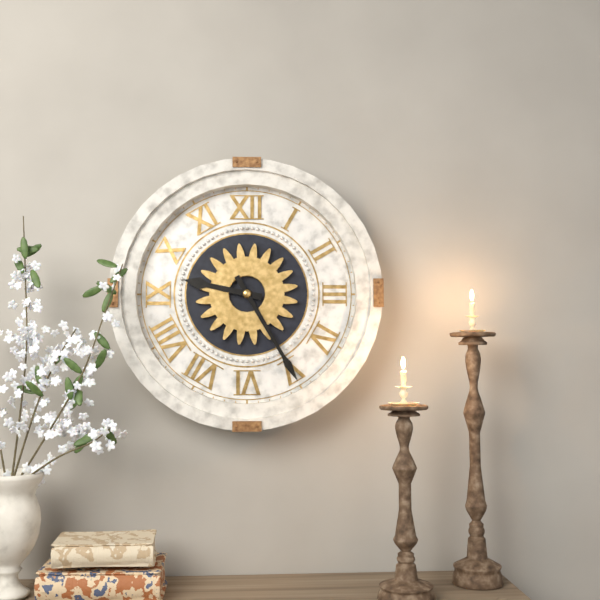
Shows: h=9 m=25
